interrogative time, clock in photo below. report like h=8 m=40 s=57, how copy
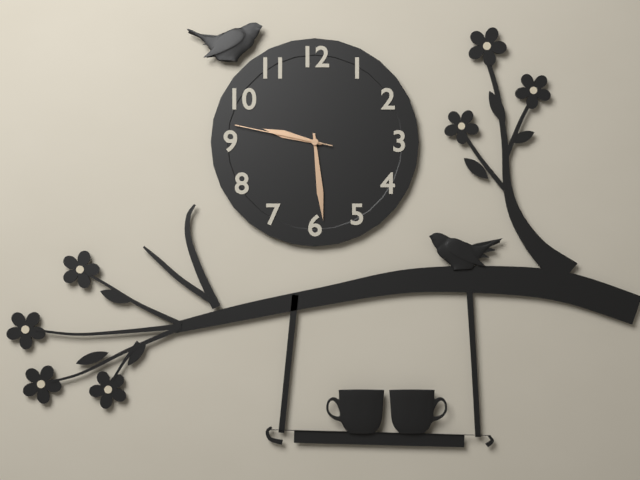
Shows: h=9 m=29 s=47
